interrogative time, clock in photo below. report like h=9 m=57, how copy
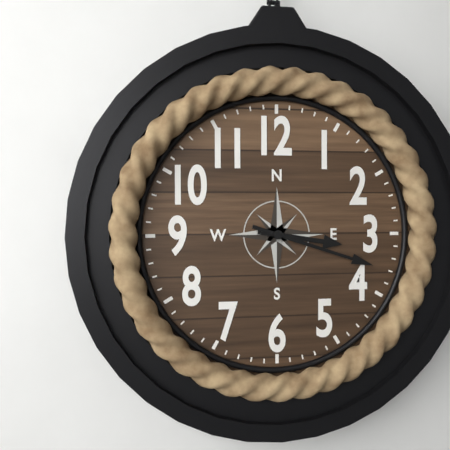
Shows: h=3 m=18
